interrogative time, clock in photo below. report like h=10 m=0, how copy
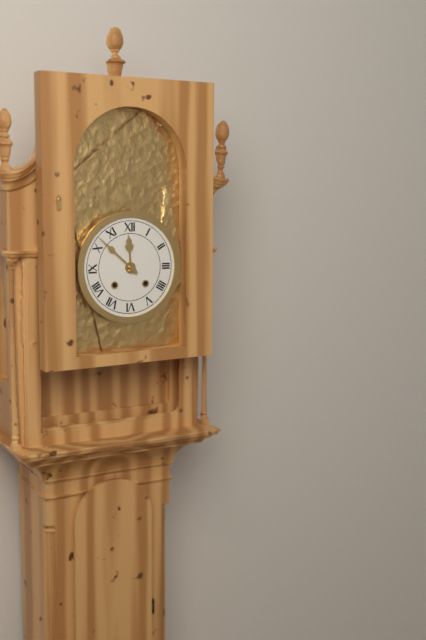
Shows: h=11 m=52
